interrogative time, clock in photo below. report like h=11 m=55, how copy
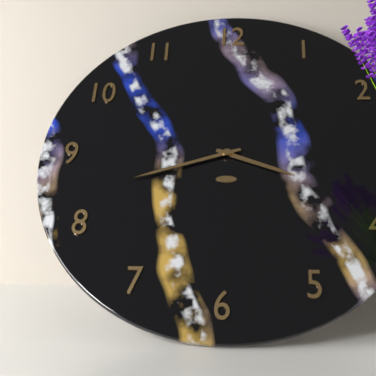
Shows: h=3 m=42
